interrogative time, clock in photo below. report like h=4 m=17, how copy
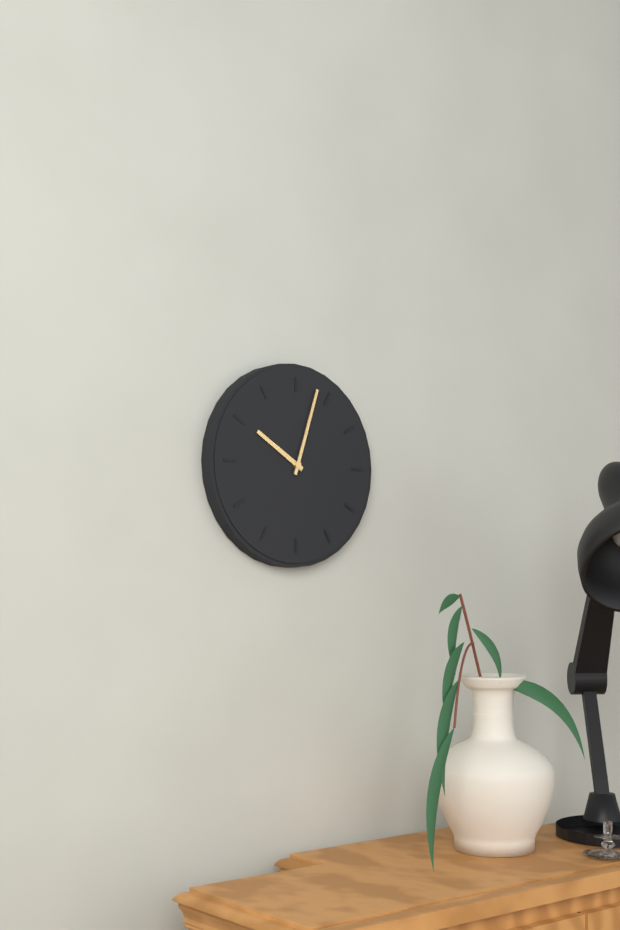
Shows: h=10 m=3
